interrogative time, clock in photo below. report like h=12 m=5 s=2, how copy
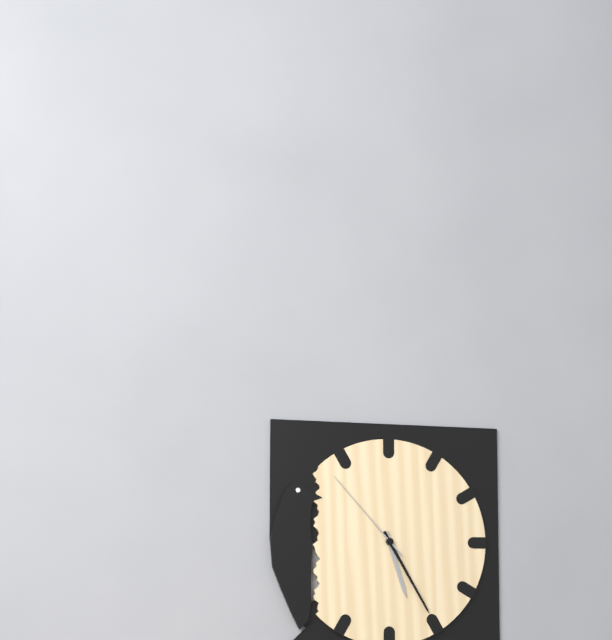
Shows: h=5 m=25 s=53
